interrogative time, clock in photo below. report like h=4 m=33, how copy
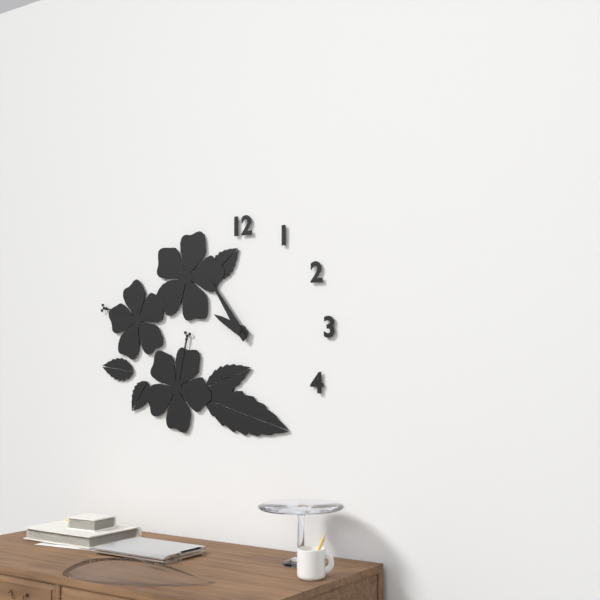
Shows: h=9 m=54
